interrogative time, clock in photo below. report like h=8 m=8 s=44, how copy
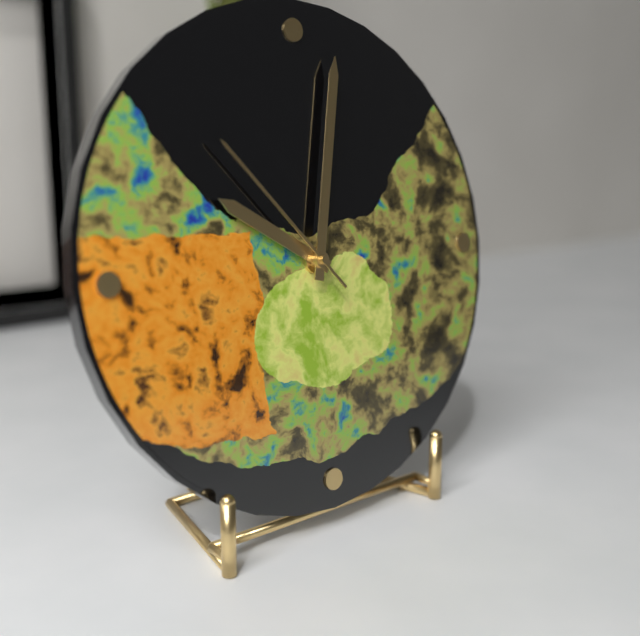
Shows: h=10 m=2 s=53
